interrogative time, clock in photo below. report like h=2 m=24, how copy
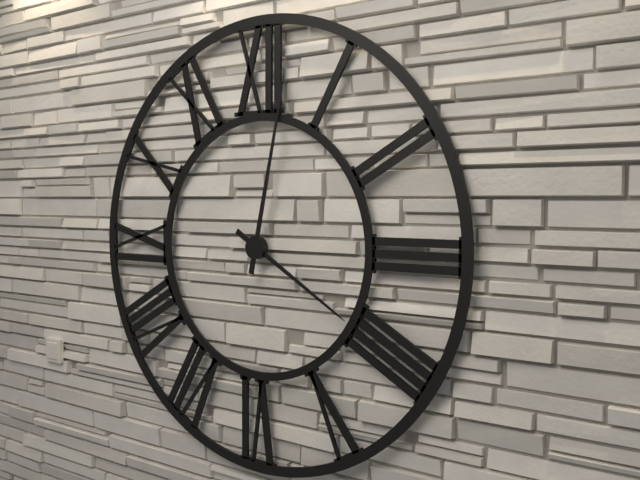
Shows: h=4 m=2
